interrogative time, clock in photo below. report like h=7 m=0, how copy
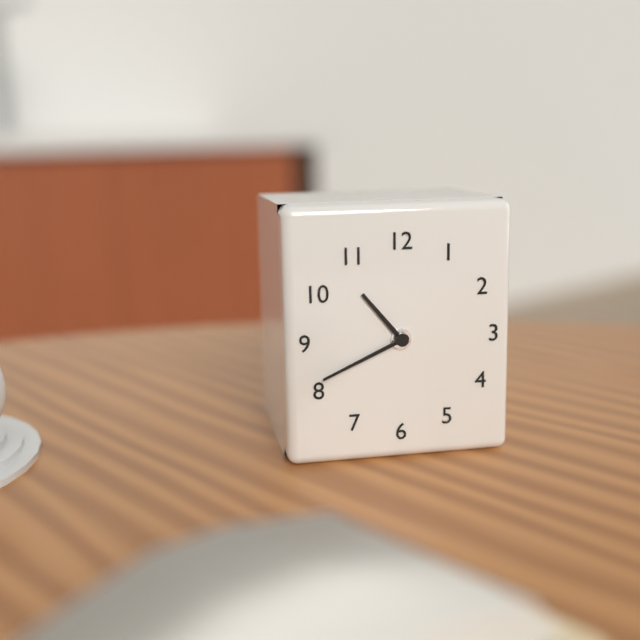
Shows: h=10 m=41
